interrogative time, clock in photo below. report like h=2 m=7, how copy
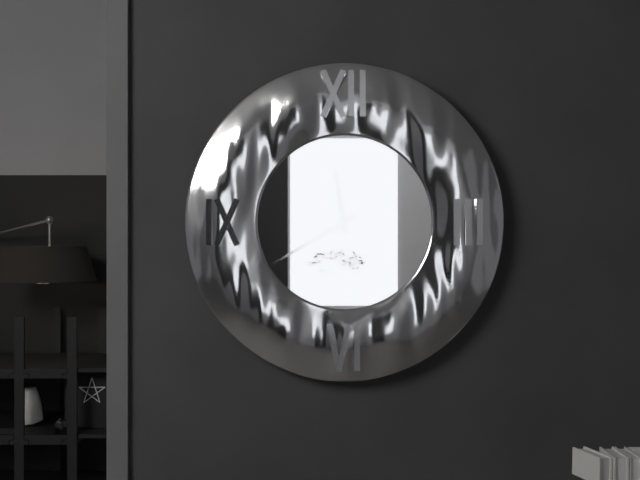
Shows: h=11 m=40
